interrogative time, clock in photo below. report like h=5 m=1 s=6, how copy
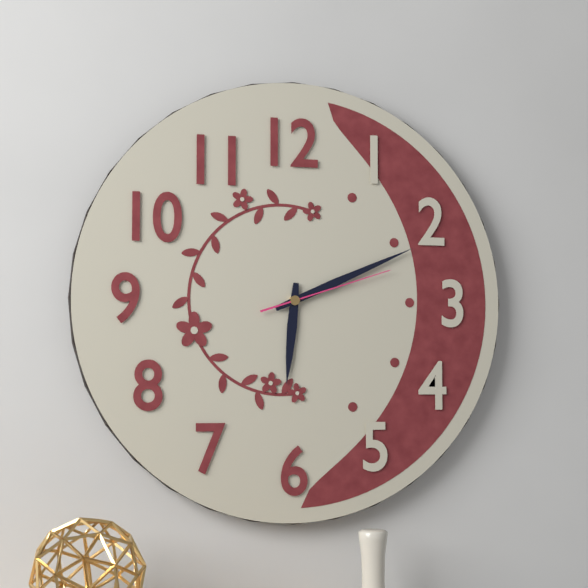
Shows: h=6 m=11 s=12
